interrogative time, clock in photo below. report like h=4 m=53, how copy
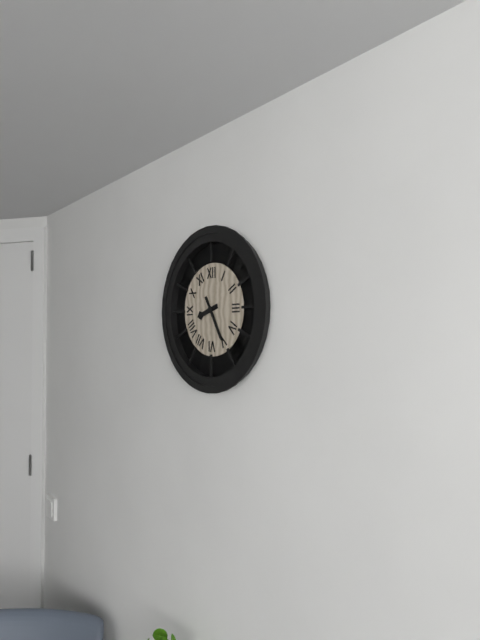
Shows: h=8 m=25
